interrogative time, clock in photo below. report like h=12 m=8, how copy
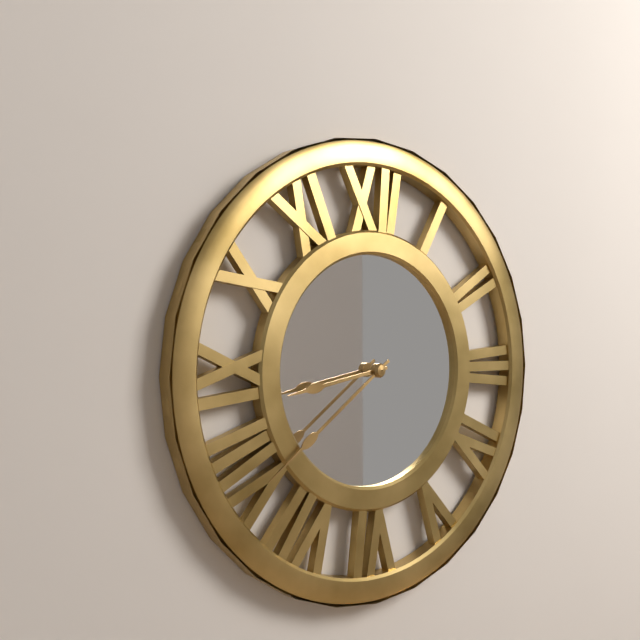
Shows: h=8 m=39
